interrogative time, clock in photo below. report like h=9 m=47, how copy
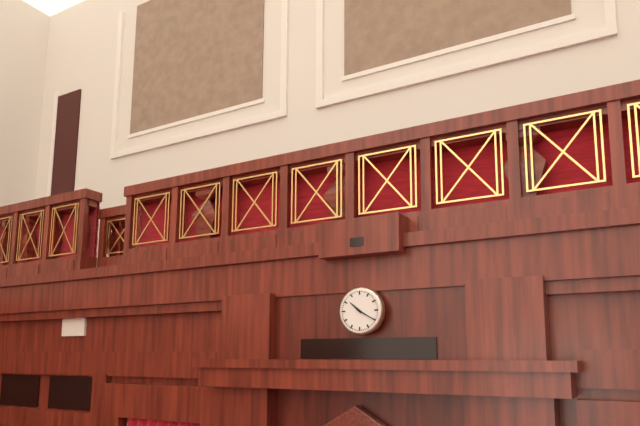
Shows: h=10 m=20
